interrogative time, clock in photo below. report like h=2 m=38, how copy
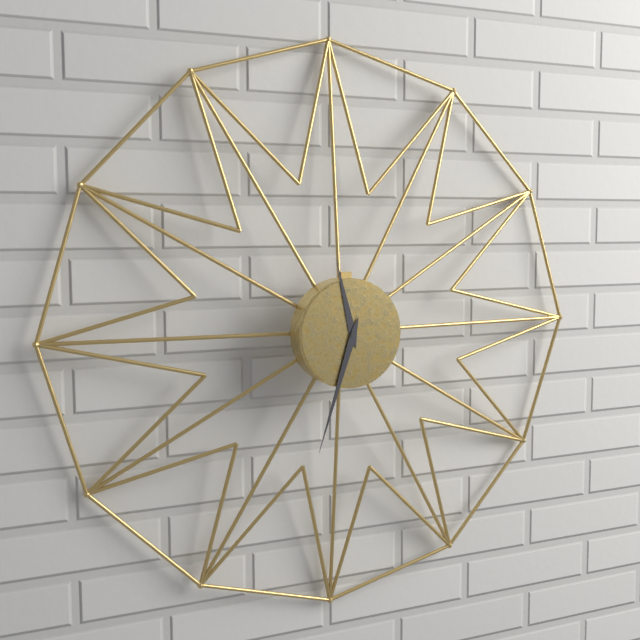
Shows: h=11 m=33
